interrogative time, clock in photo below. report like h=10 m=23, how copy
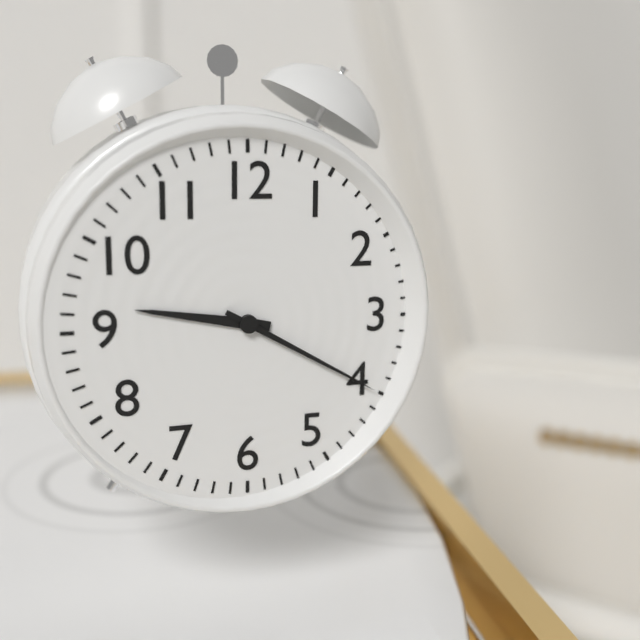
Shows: h=9 m=20
